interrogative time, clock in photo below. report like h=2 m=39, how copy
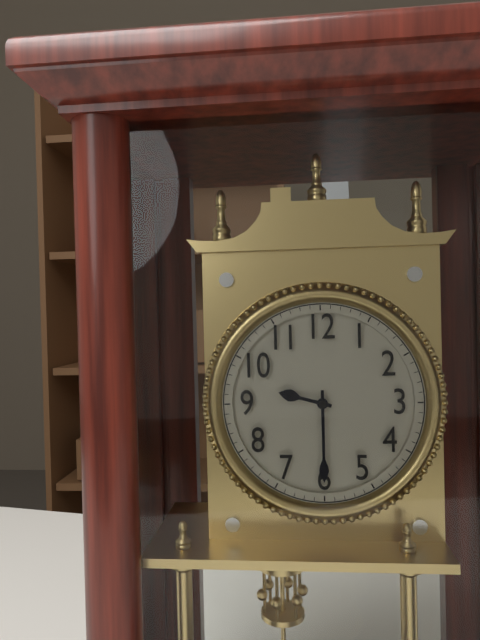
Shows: h=9 m=30
